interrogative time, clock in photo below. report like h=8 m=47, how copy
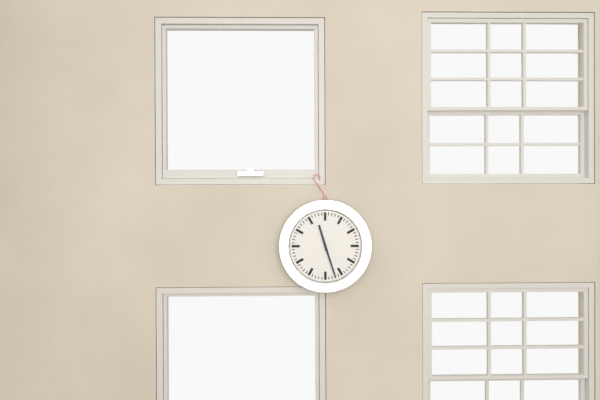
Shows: h=11 m=27
